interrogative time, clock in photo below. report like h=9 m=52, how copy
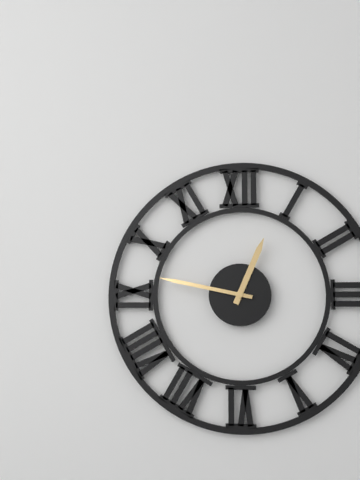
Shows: h=12 m=47
